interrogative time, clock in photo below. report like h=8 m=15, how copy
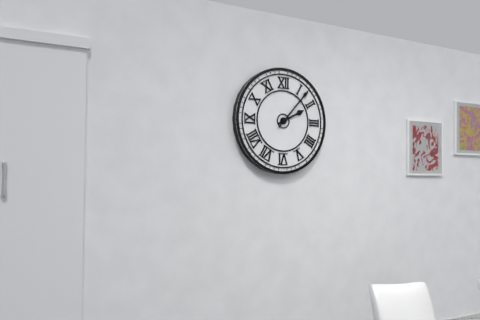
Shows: h=2 m=7
